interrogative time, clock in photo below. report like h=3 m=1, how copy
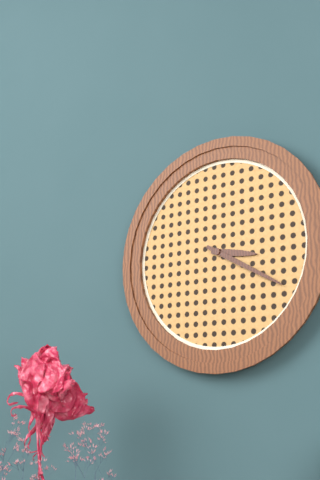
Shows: h=3 m=20
